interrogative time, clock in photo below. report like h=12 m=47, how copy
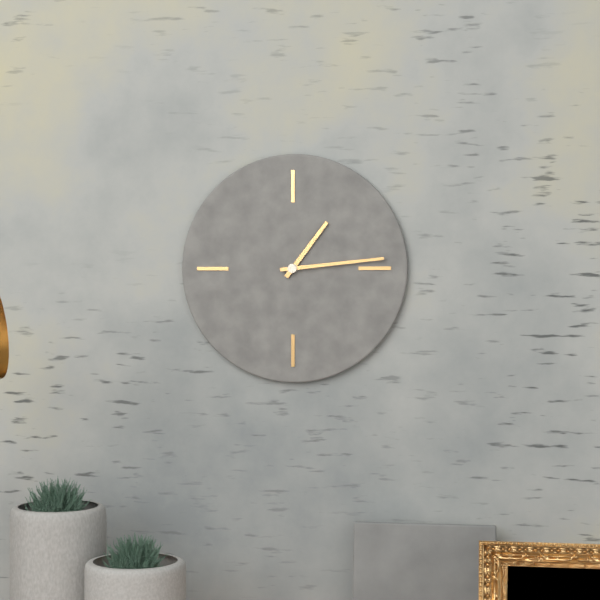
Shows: h=1 m=14
